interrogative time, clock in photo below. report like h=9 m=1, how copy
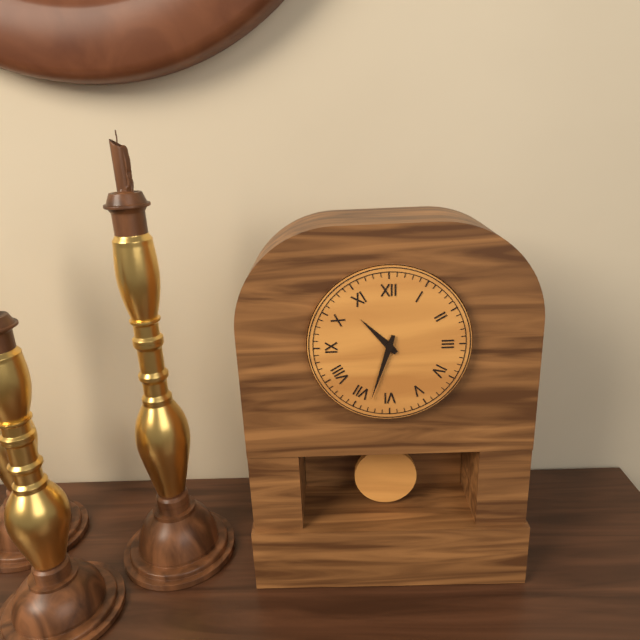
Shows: h=10 m=33
